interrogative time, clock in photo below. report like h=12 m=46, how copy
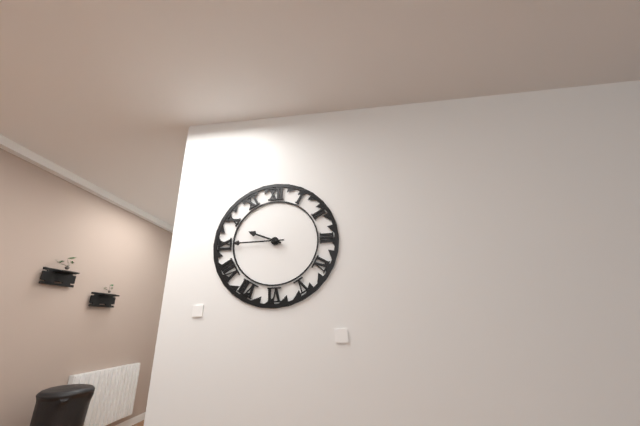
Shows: h=9 m=45
